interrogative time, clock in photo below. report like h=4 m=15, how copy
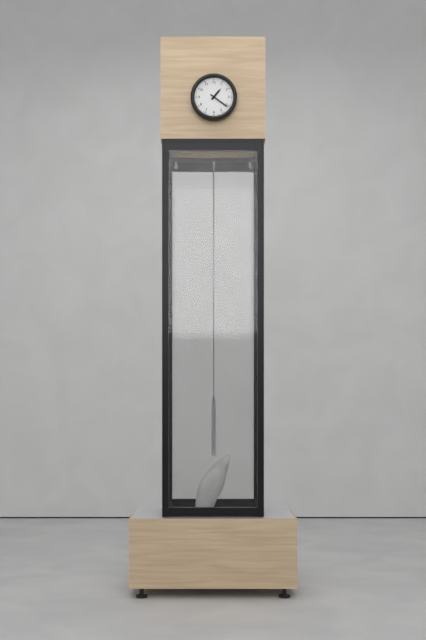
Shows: h=1 m=21
